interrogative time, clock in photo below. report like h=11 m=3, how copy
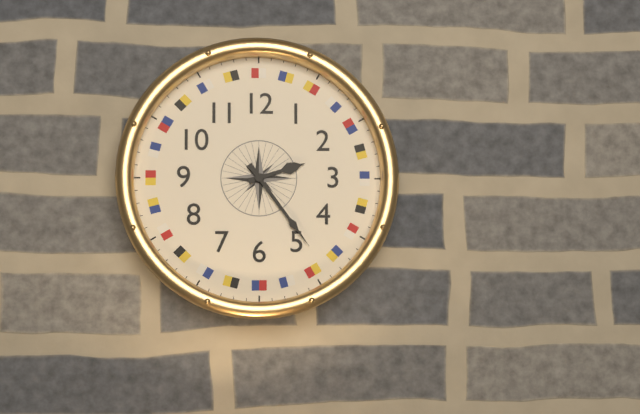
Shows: h=2 m=24
